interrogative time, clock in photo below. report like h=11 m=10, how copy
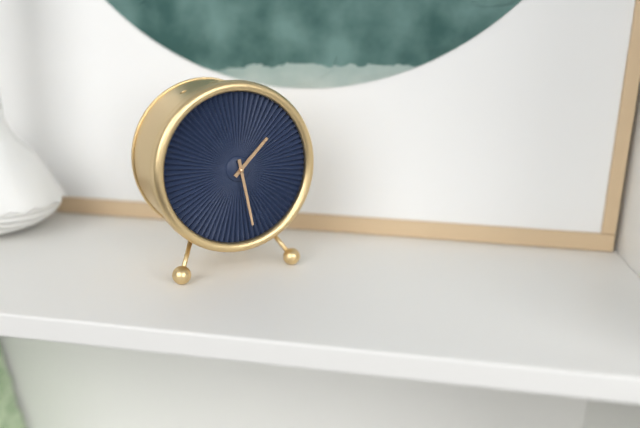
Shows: h=1 m=28
